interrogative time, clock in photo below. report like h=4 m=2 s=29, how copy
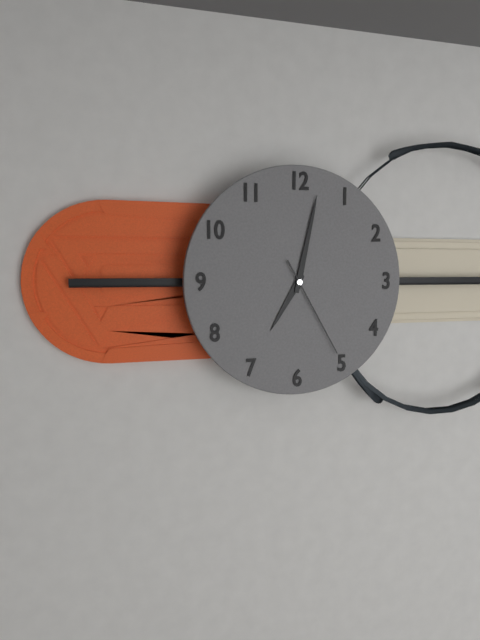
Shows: h=7 m=2 s=25
